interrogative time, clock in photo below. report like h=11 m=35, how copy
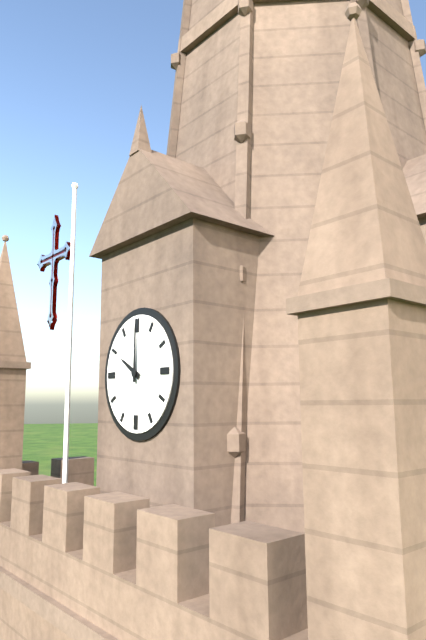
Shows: h=10 m=0
